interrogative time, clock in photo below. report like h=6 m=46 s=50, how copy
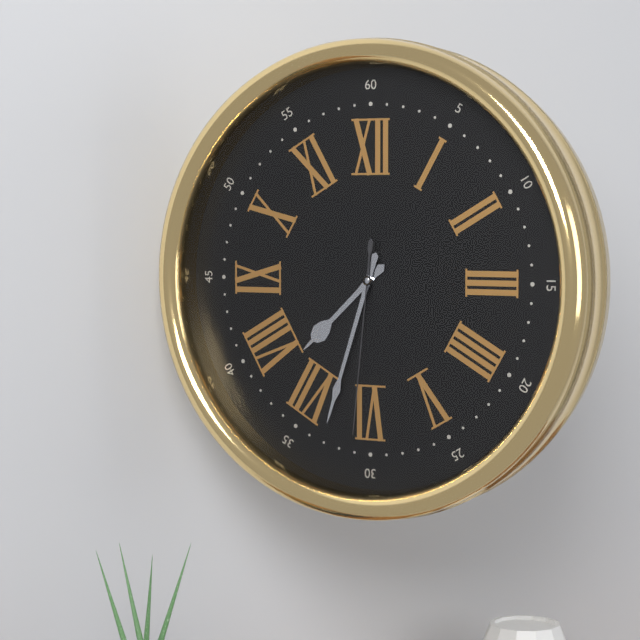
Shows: h=7 m=33 s=31
